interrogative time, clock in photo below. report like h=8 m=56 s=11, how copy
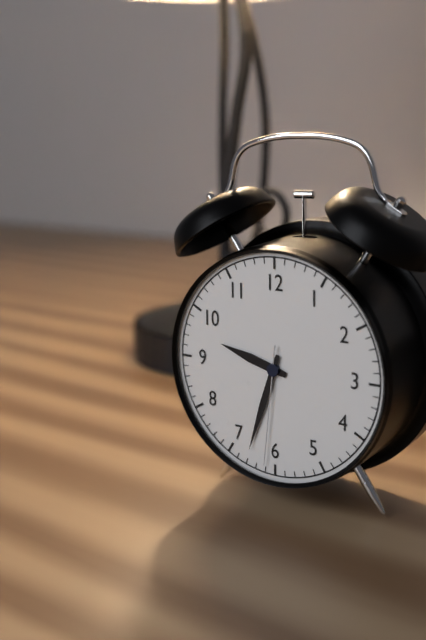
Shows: h=9 m=33 s=31
